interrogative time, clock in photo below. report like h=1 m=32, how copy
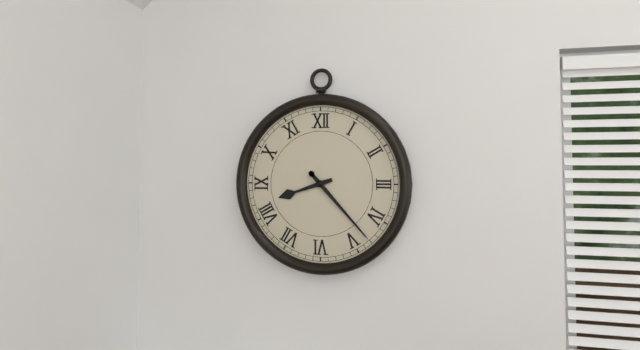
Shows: h=8 m=23
